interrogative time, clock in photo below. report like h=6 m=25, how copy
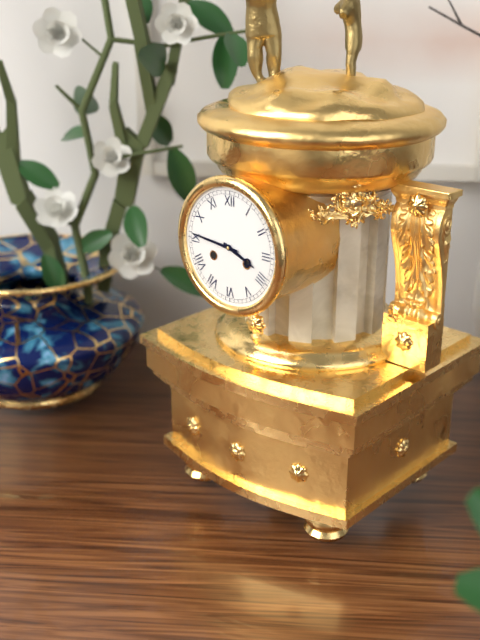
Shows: h=3 m=46
